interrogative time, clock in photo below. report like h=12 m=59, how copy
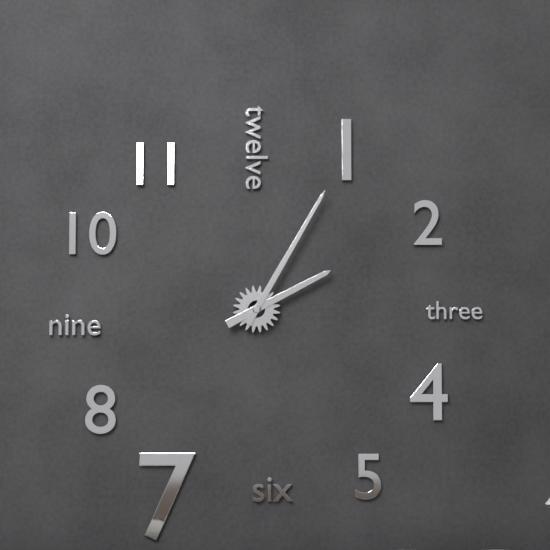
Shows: h=2 m=5
